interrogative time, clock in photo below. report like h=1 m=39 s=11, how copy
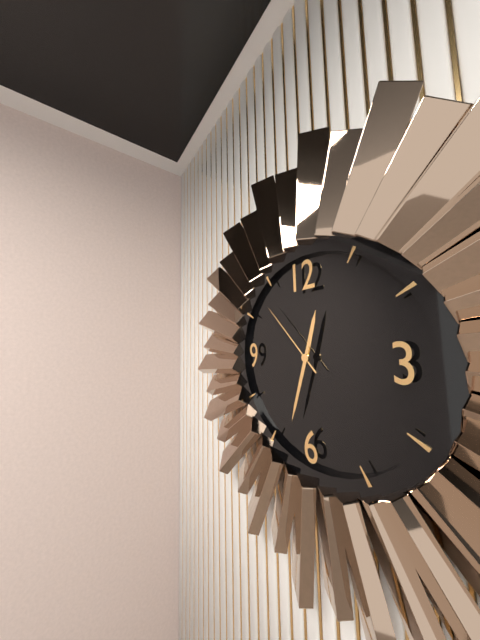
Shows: h=12 m=33 s=53
